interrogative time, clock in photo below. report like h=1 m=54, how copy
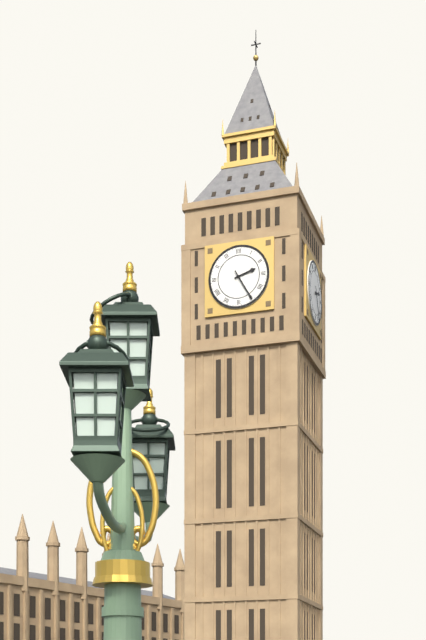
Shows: h=2 m=25
